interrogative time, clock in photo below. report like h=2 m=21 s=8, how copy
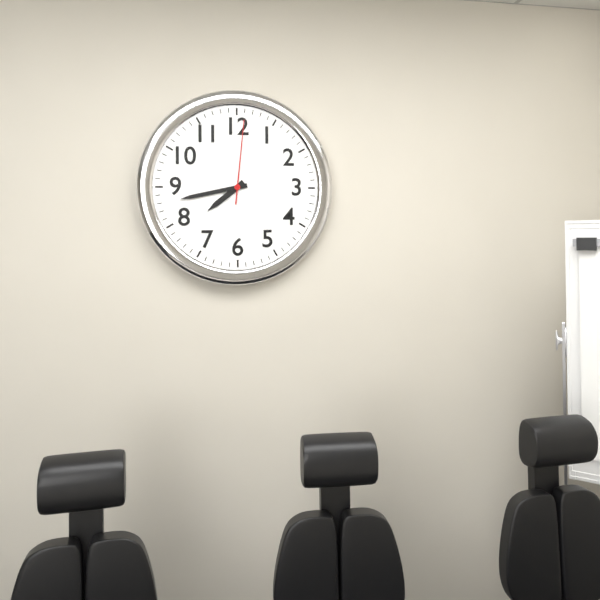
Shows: h=7 m=43 s=1
